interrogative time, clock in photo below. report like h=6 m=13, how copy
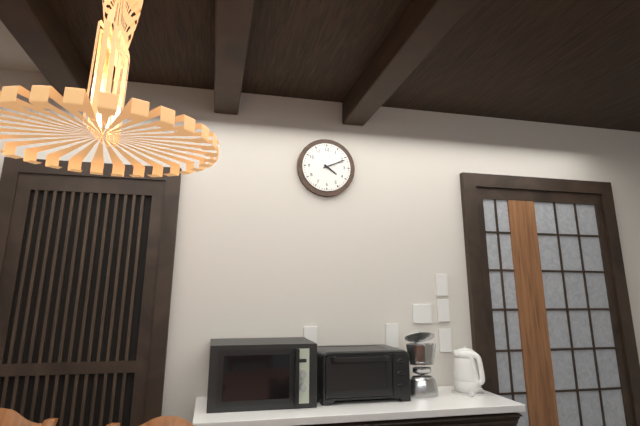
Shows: h=4 m=11
